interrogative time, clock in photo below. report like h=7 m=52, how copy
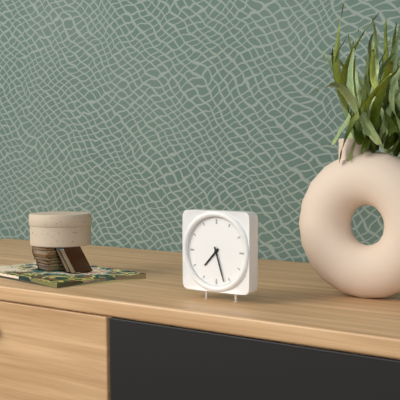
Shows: h=7 m=27
